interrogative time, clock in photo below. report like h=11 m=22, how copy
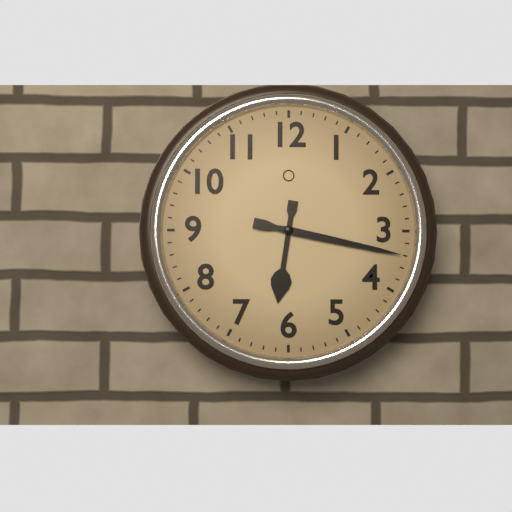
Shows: h=6 m=17
